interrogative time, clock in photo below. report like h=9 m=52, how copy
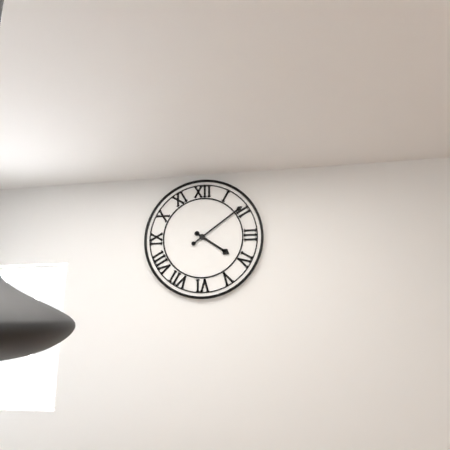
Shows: h=4 m=9
